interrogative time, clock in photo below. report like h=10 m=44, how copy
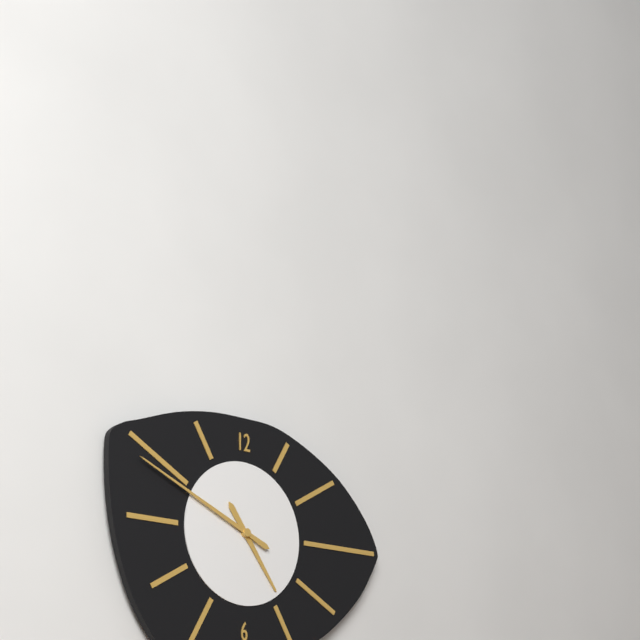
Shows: h=4 m=49
